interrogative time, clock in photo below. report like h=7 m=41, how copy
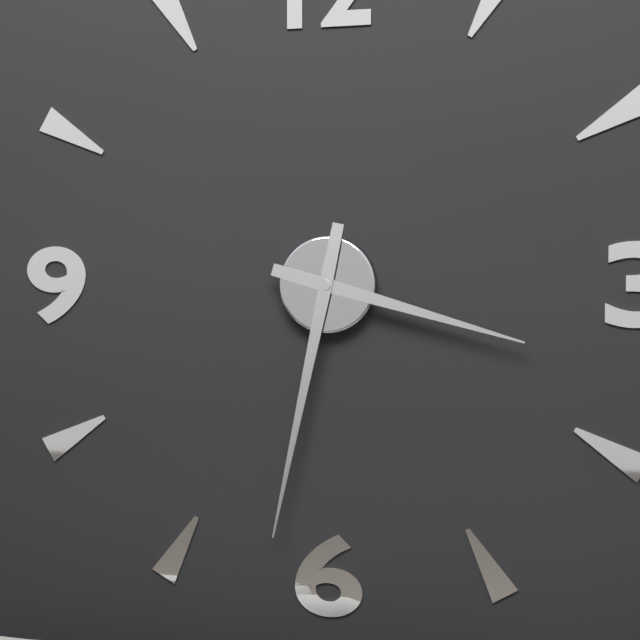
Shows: h=3 m=32
